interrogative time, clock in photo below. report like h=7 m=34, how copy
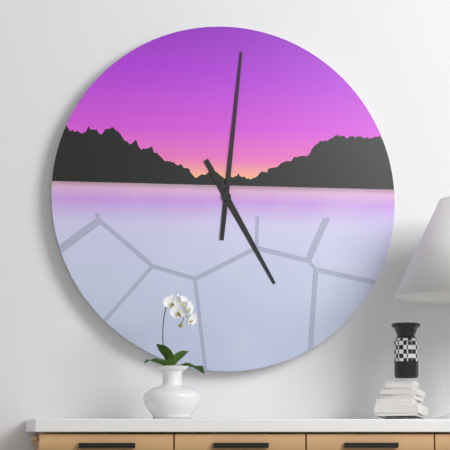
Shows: h=5 m=1
